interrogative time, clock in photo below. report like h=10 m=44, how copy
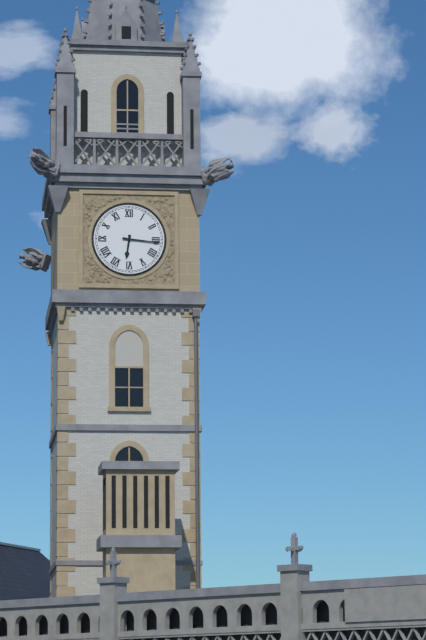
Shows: h=6 m=16
